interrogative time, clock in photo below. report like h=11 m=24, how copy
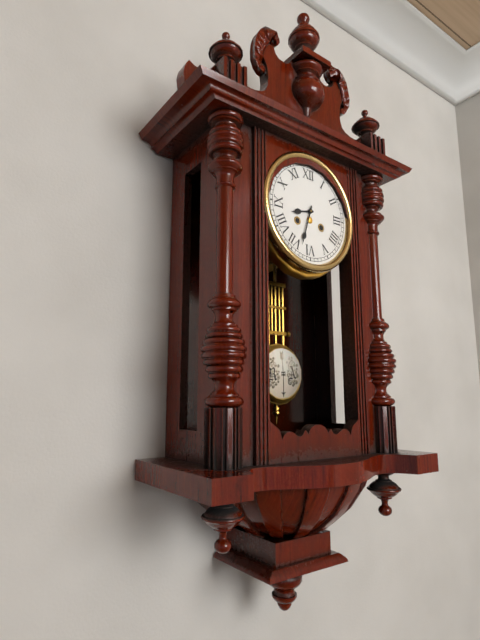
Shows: h=8 m=33
